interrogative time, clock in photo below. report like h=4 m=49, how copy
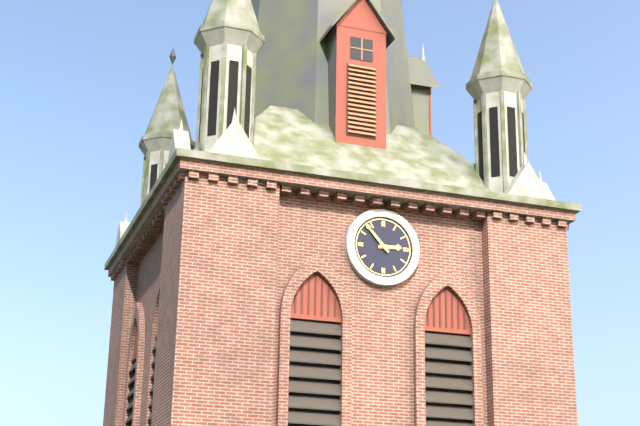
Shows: h=2 m=53
